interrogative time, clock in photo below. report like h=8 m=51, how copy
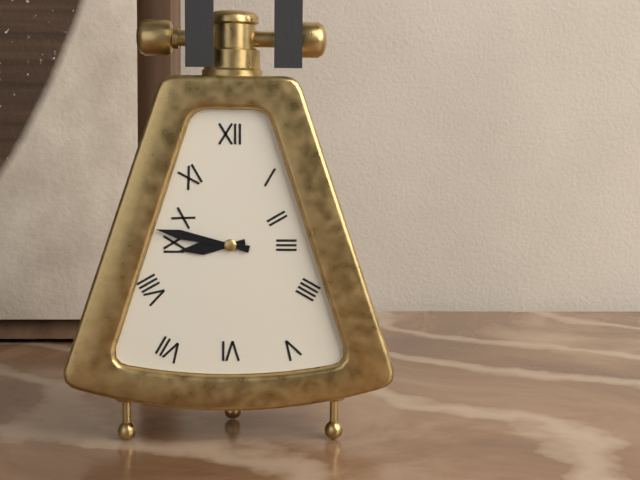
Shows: h=8 m=47
